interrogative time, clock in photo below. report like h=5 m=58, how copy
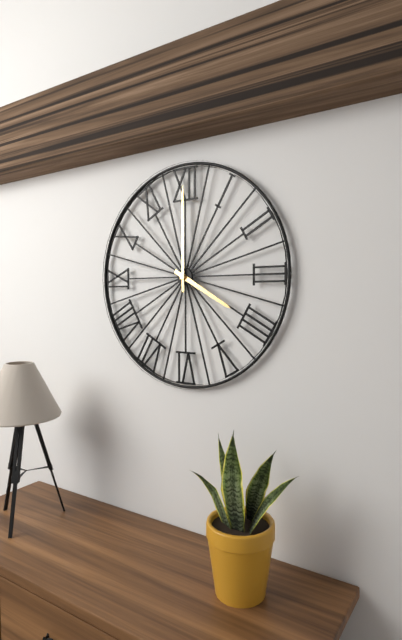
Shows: h=4 m=0
